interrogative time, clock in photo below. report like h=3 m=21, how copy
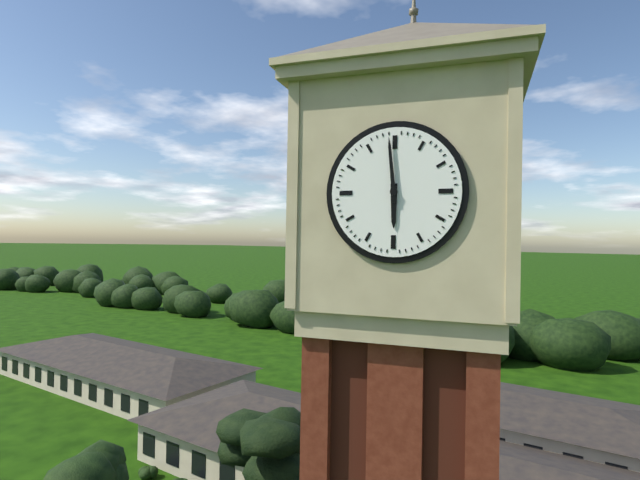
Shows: h=5 m=59
